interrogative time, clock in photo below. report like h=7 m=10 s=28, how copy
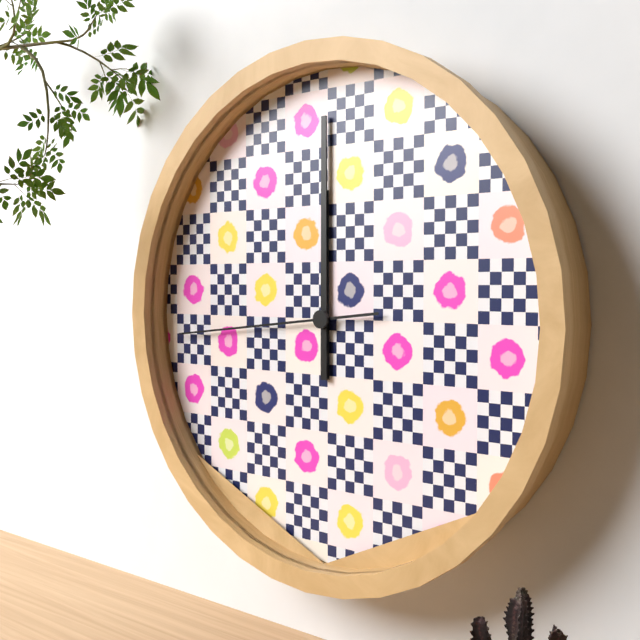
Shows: h=12 m=0 s=44
